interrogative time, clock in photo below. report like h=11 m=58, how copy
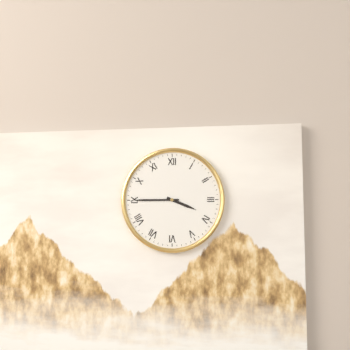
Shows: h=3 m=45
